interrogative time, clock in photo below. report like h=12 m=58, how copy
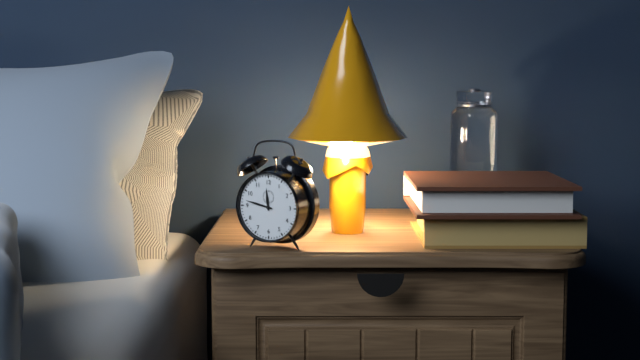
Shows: h=11 m=47
